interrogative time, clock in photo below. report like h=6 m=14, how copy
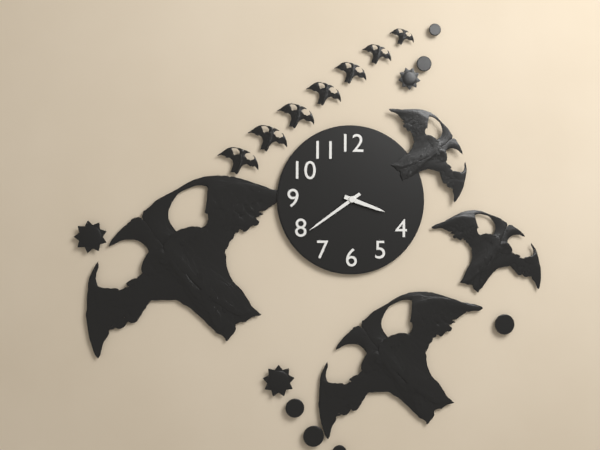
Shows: h=3 m=39
